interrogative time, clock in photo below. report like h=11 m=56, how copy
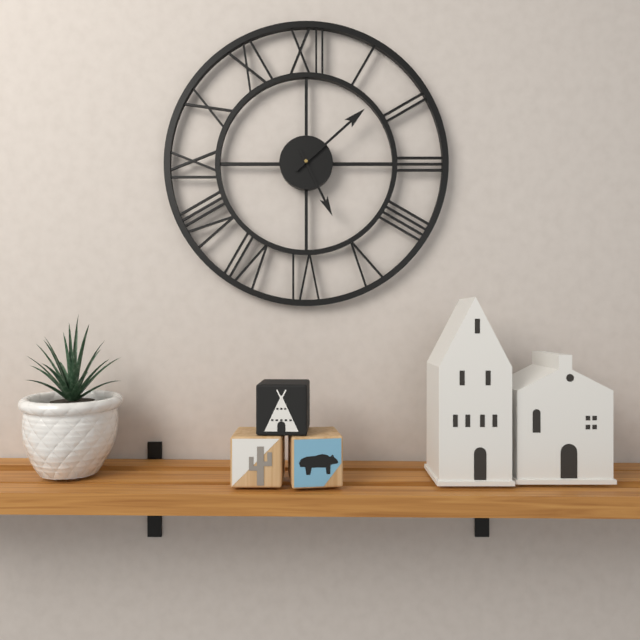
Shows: h=5 m=8
